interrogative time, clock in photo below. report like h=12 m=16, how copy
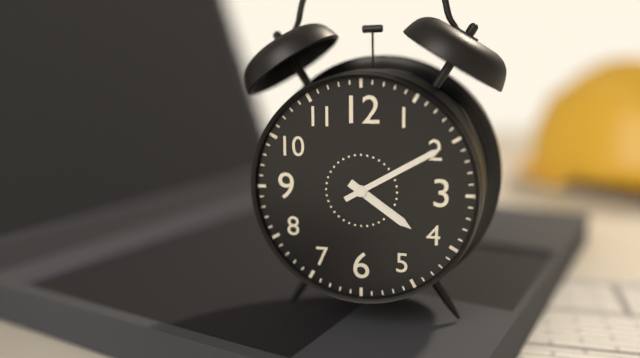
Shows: h=4 m=10
